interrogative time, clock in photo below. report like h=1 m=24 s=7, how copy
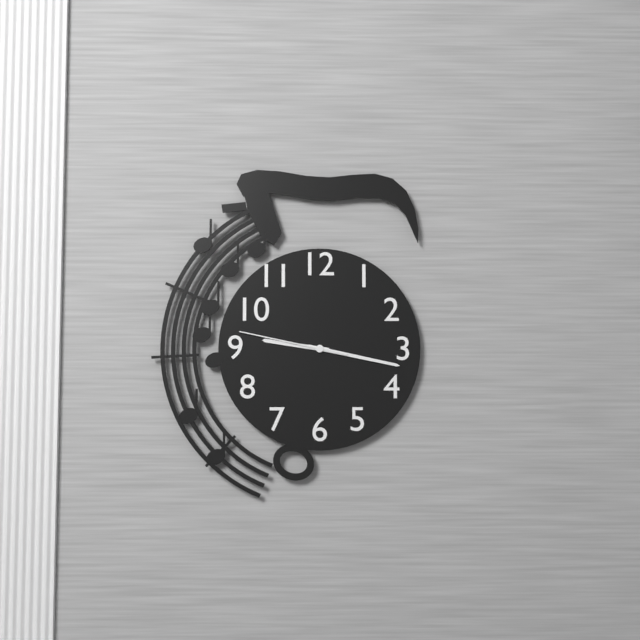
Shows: h=9 m=17 s=47
